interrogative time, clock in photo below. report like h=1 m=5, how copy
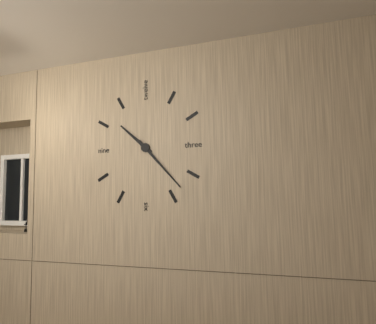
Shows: h=10 m=23
